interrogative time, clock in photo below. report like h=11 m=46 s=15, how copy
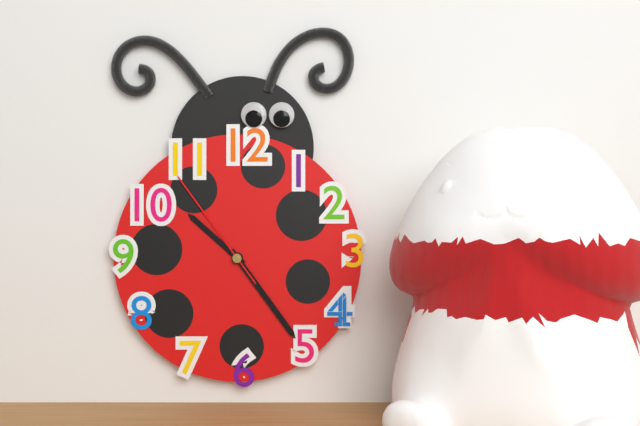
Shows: h=10 m=24 s=54
